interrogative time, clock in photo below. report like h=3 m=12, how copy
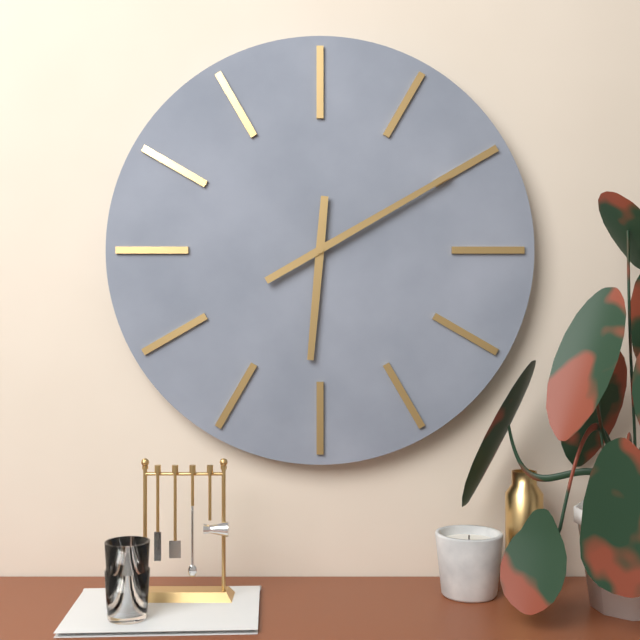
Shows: h=6 m=10
